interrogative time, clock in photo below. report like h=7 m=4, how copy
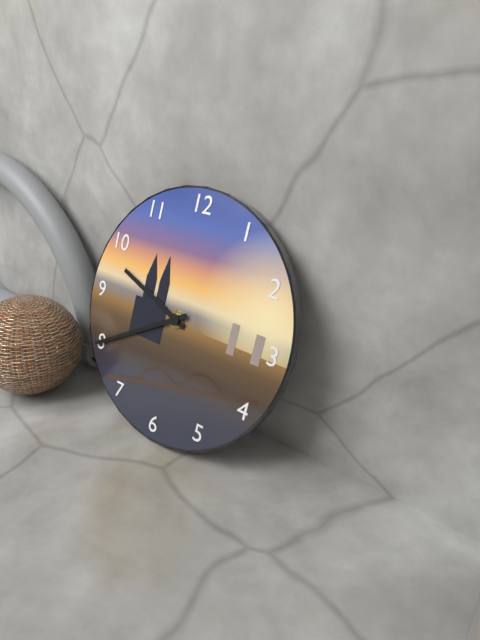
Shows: h=9 m=40
